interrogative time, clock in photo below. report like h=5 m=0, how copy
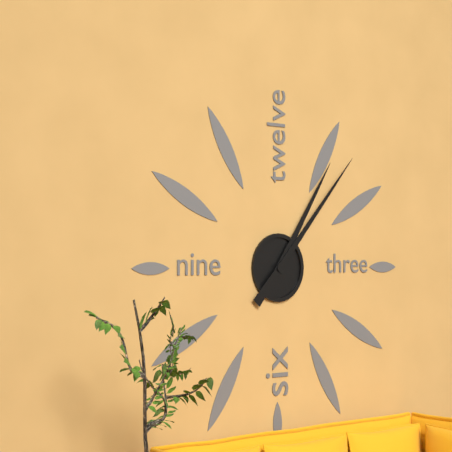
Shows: h=1 m=7
